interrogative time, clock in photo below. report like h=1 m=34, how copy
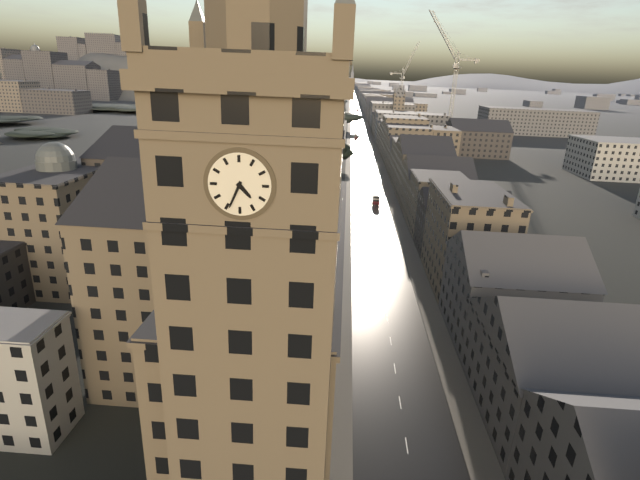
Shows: h=4 m=34
